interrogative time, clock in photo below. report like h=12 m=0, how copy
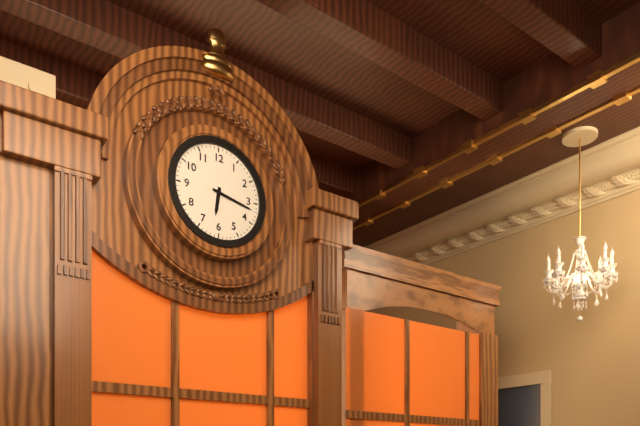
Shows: h=6 m=17
